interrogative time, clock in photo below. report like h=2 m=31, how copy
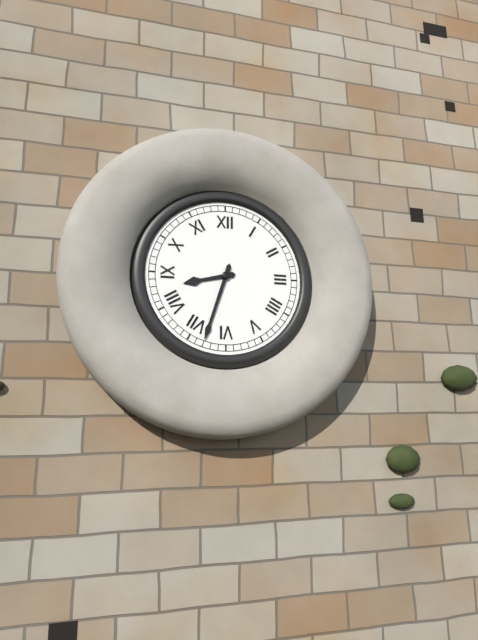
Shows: h=8 m=33
